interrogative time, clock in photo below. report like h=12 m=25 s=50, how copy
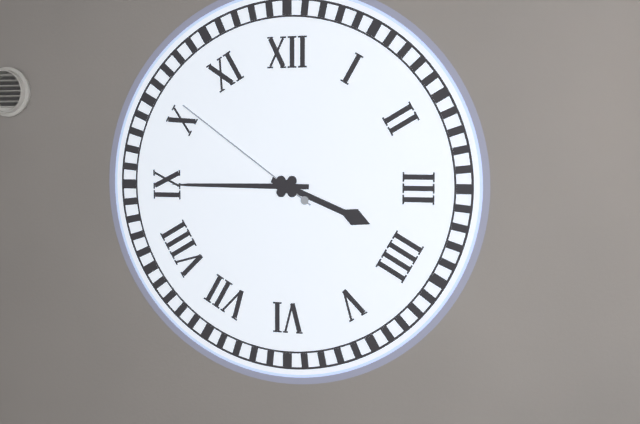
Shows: h=3 m=45 s=51
